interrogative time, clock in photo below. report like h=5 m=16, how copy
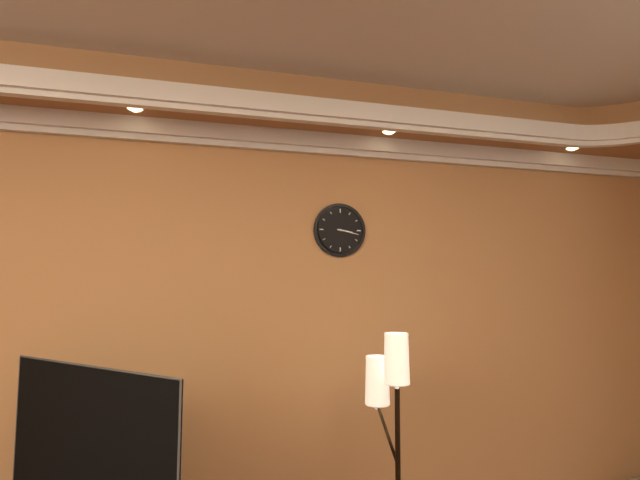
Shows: h=3 m=17
